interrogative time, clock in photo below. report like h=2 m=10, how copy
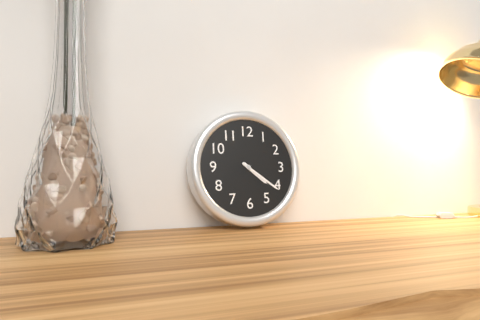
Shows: h=4 m=21
